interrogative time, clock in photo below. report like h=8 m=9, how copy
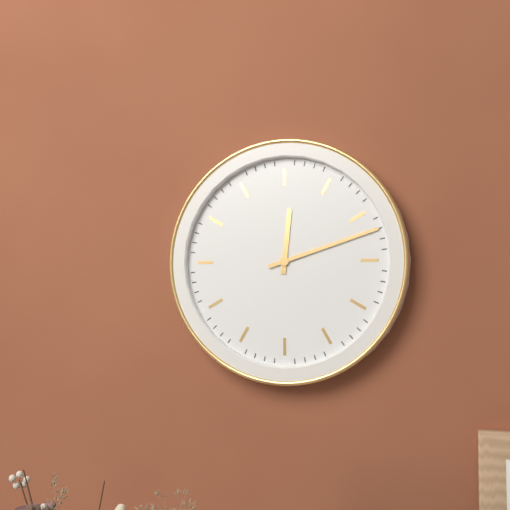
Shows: h=12 m=12
